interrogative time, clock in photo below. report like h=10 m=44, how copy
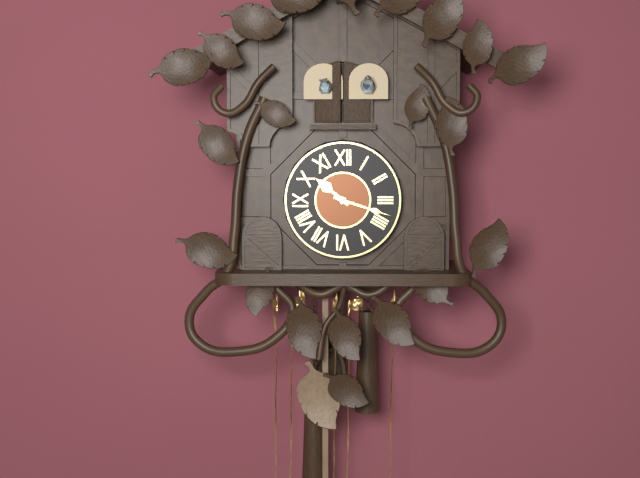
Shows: h=10 m=18
